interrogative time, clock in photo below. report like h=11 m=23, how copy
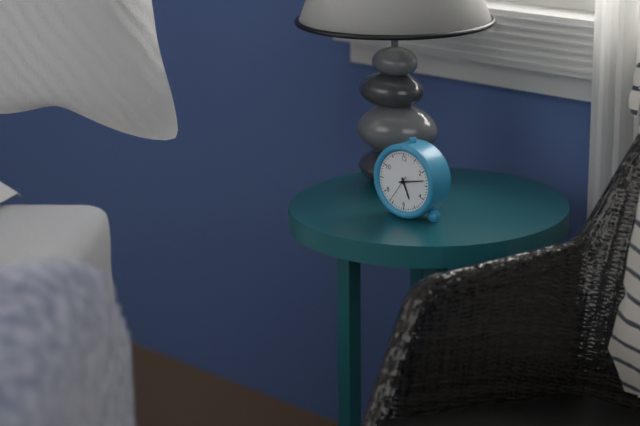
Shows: h=5 m=13
